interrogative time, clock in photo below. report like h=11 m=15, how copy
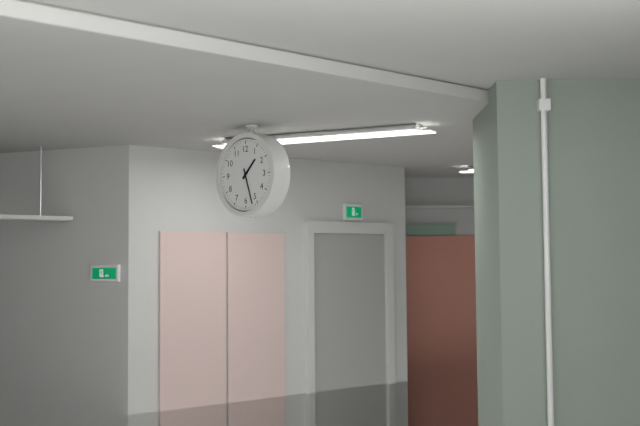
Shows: h=1 m=27
